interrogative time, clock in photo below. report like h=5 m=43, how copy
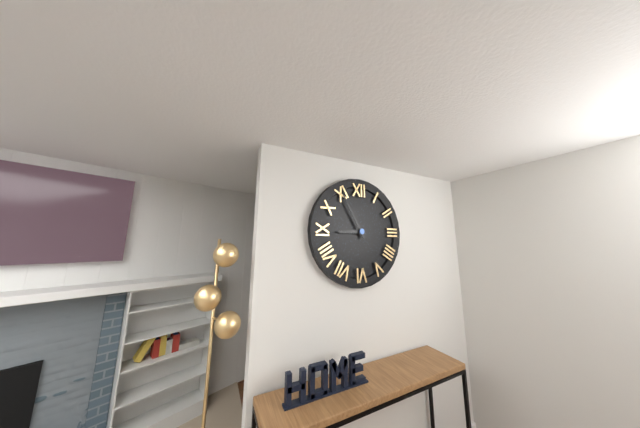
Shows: h=8 m=55
